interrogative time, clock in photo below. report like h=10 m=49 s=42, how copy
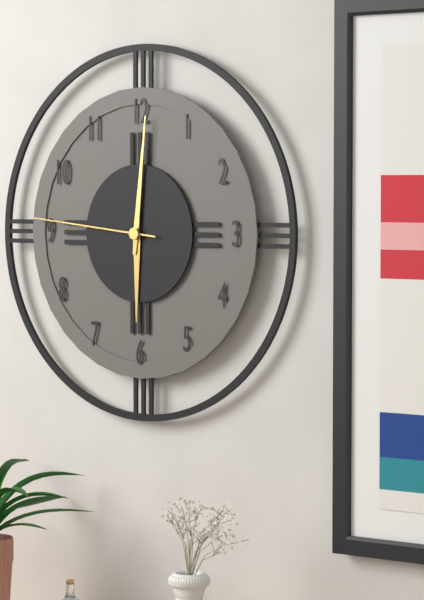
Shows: h=6 m=1 s=46
